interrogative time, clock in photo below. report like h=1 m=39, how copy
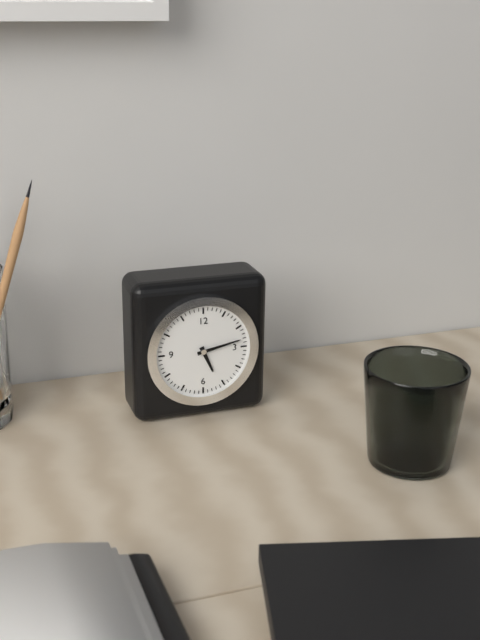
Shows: h=5 m=13
